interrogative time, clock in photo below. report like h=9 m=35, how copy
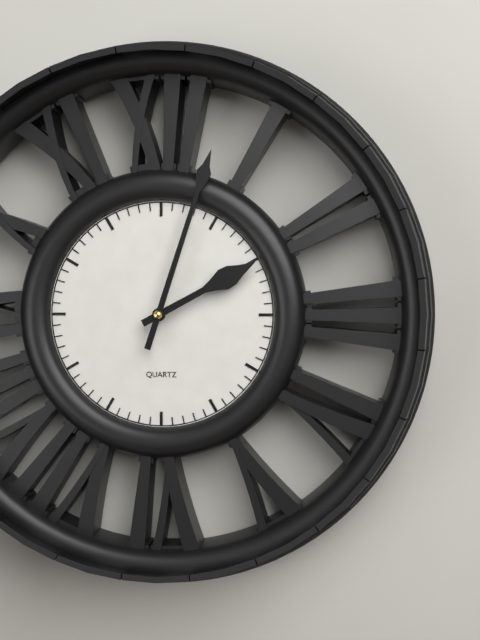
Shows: h=2 m=3
